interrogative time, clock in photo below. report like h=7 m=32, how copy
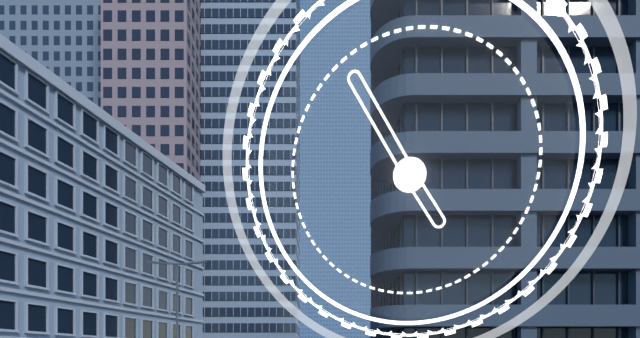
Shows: h=4 m=55
